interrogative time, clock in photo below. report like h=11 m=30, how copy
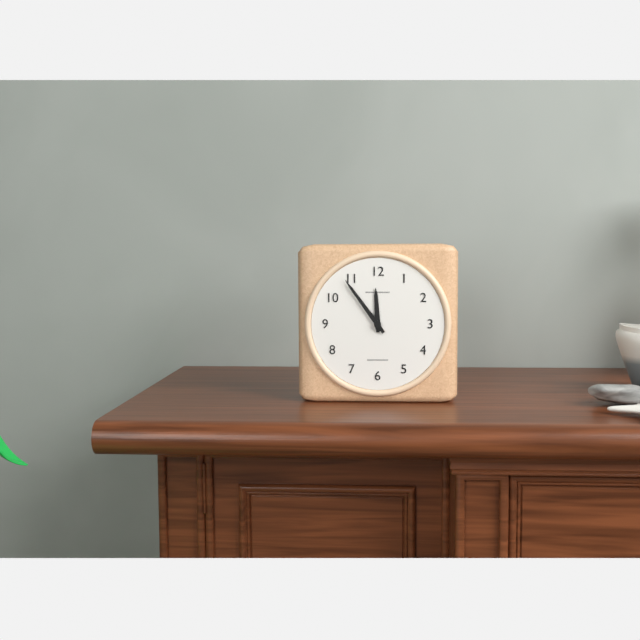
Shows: h=11 m=54
